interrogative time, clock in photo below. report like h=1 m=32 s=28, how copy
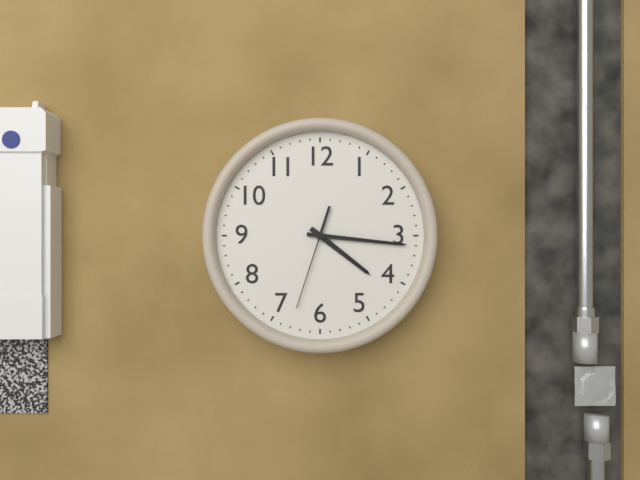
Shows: h=4 m=16 s=33
